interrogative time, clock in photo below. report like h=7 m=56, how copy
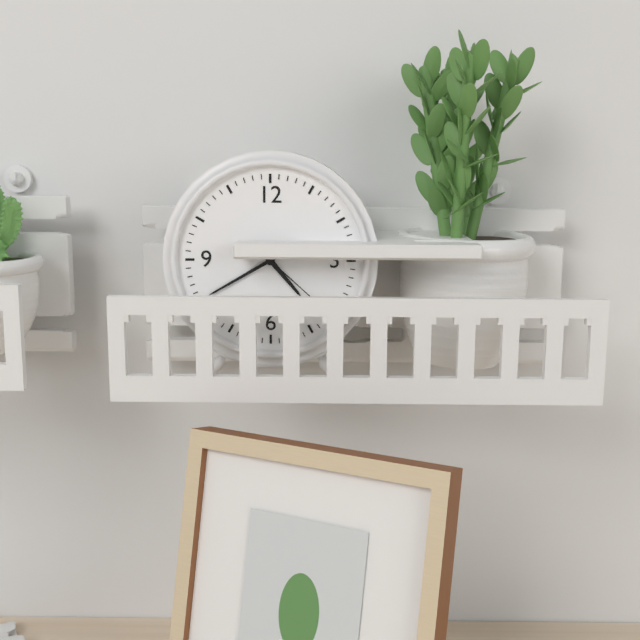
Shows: h=4 m=40
